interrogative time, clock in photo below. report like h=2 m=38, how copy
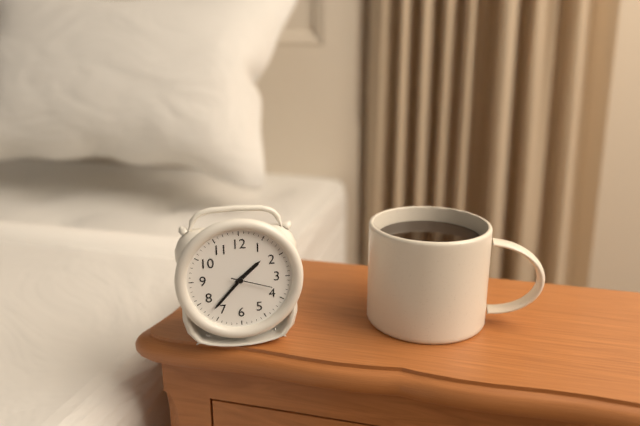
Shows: h=1 m=37
